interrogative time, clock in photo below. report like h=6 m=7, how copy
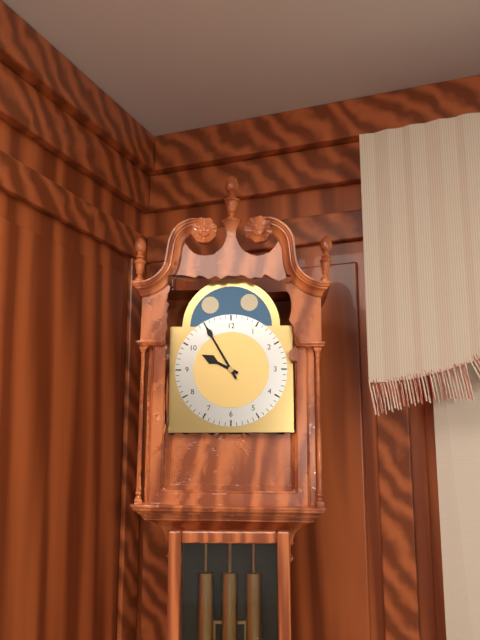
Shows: h=9 m=55
